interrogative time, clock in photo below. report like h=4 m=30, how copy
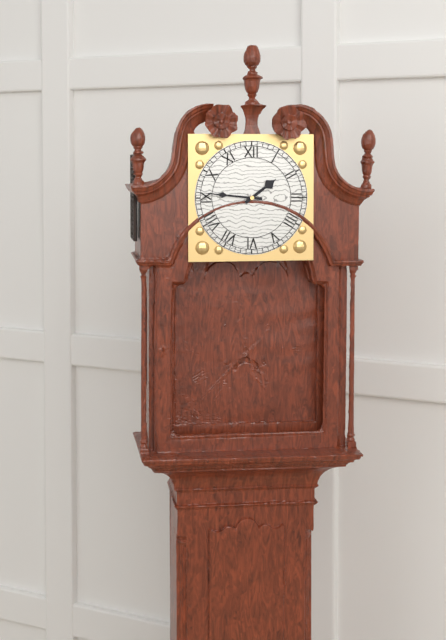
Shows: h=1 m=46
